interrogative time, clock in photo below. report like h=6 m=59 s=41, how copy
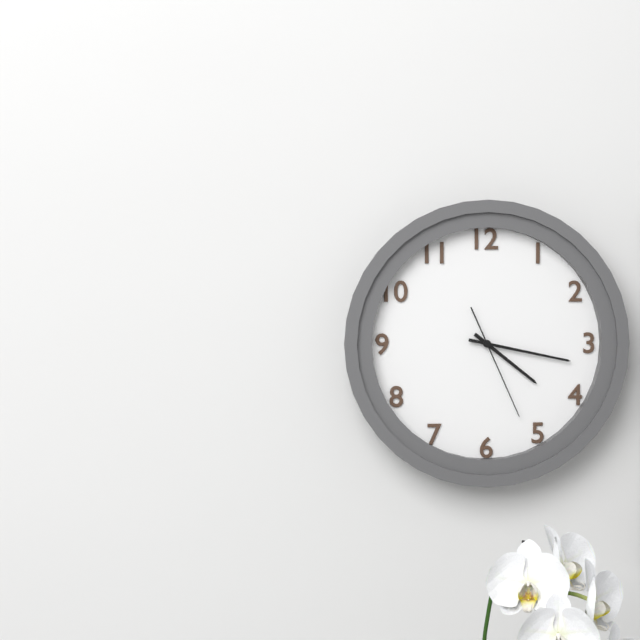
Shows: h=4 m=17 s=26
